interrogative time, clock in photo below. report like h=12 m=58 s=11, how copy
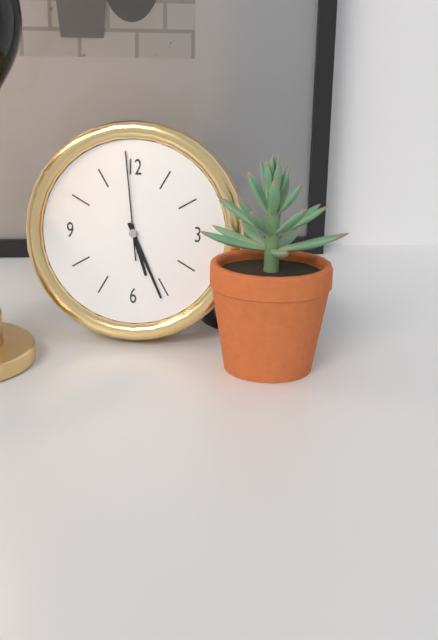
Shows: h=5 m=26 s=59
